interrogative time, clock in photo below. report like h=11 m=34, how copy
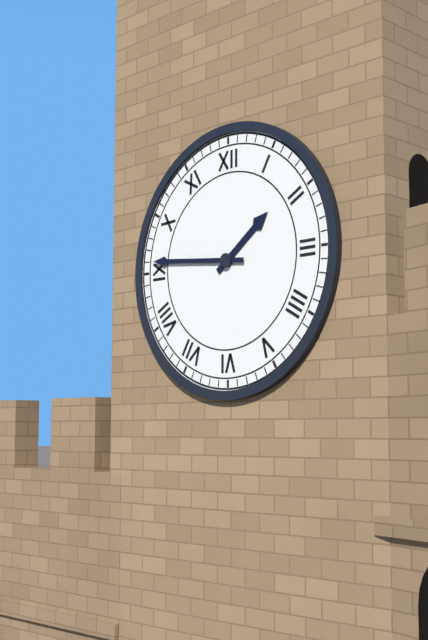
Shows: h=1 m=46
